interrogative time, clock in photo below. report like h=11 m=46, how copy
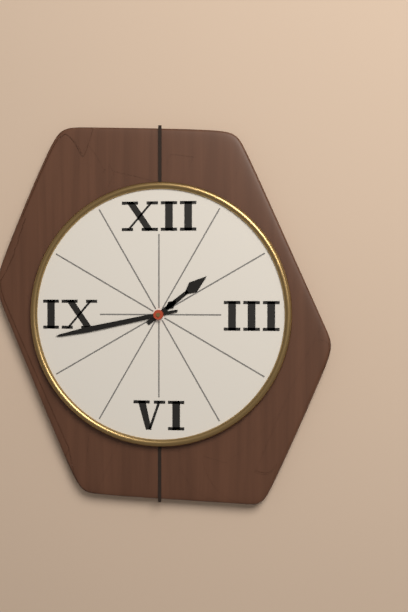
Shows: h=1 m=43
